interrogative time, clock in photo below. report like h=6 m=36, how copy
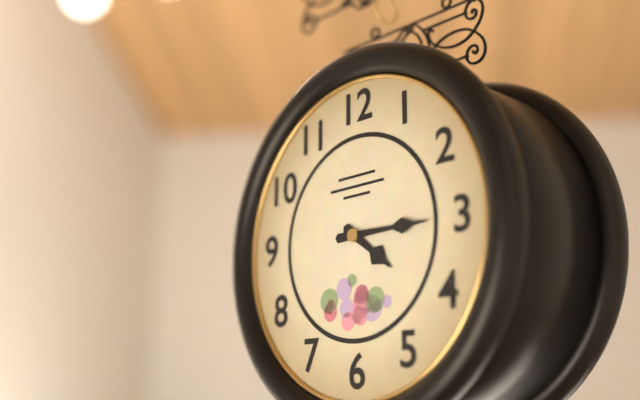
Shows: h=4 m=15
